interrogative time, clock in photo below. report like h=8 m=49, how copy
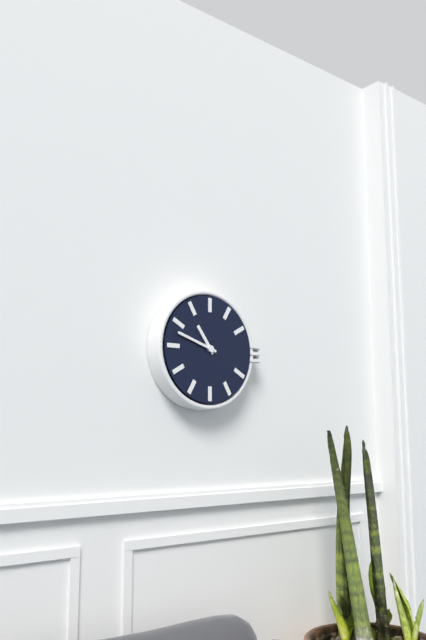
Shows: h=10 m=48
